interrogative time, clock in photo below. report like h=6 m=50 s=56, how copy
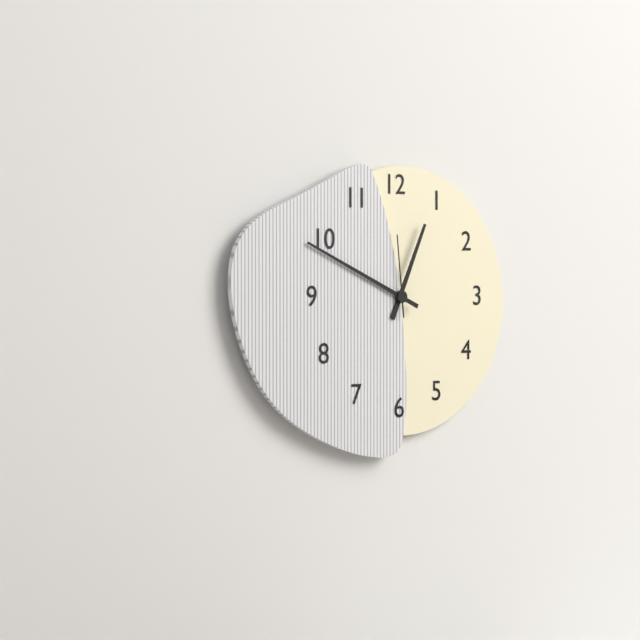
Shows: h=12 m=49 s=59
